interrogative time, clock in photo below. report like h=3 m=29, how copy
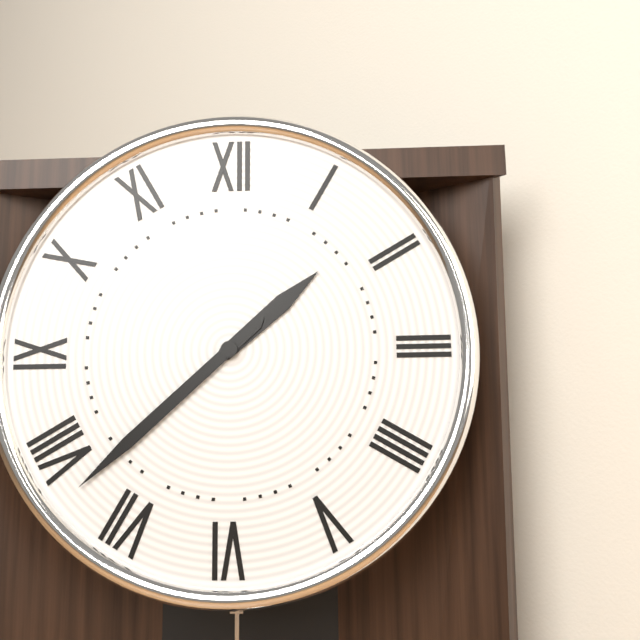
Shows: h=1 m=38
